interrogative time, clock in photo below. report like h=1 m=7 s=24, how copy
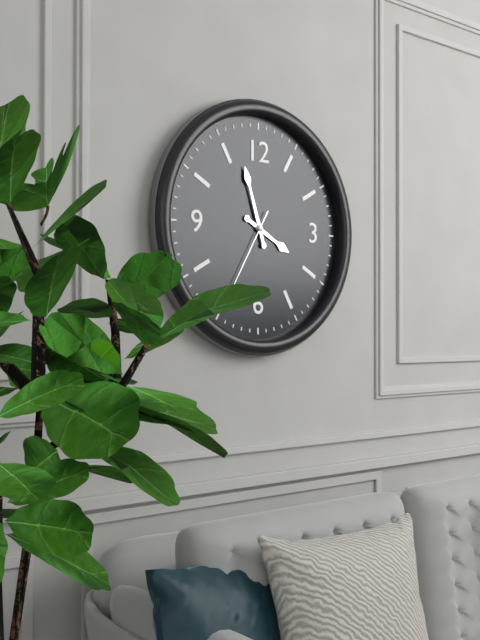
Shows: h=3 m=57 s=35
